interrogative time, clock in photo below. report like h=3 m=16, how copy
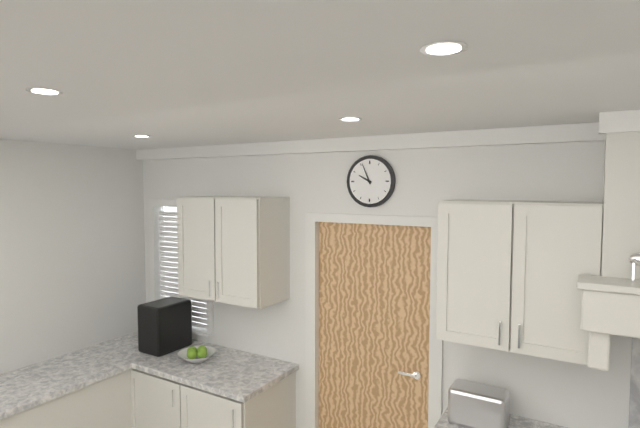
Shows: h=9 m=56
